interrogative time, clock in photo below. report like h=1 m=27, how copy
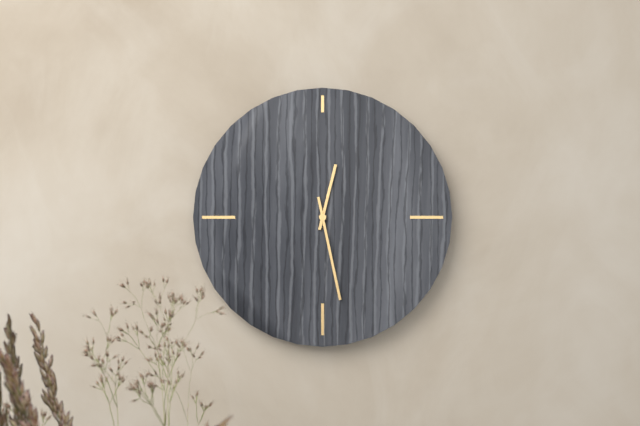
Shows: h=12 m=28
